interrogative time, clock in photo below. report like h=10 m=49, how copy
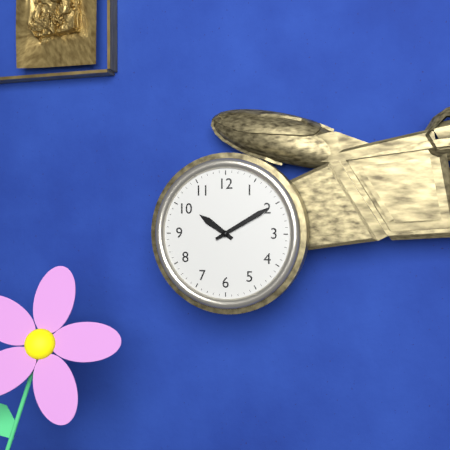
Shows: h=10 m=10
